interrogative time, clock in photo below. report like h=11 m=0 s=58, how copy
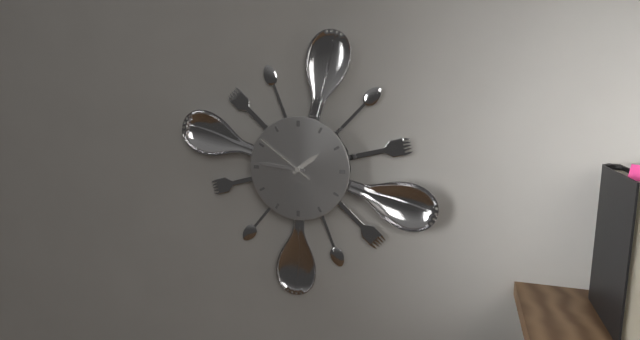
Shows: h=1 m=46 s=51
